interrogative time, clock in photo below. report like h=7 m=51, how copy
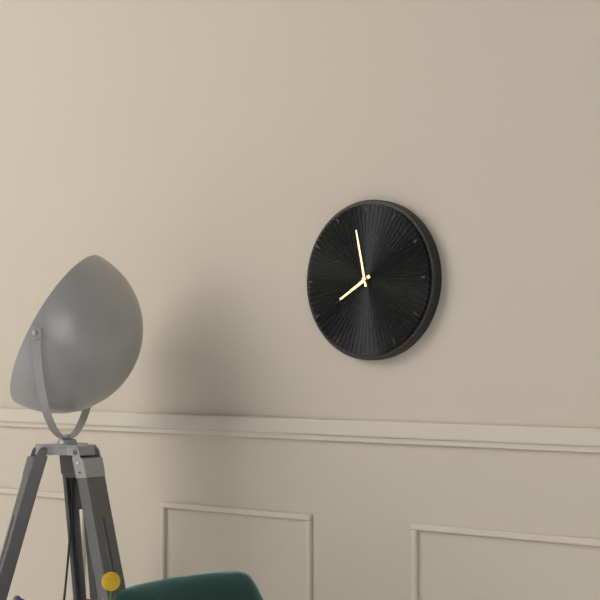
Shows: h=7 m=58
